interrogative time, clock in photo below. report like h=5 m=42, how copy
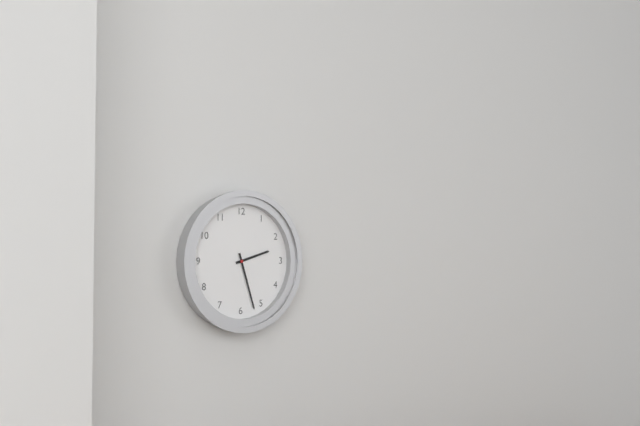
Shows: h=2 m=27
